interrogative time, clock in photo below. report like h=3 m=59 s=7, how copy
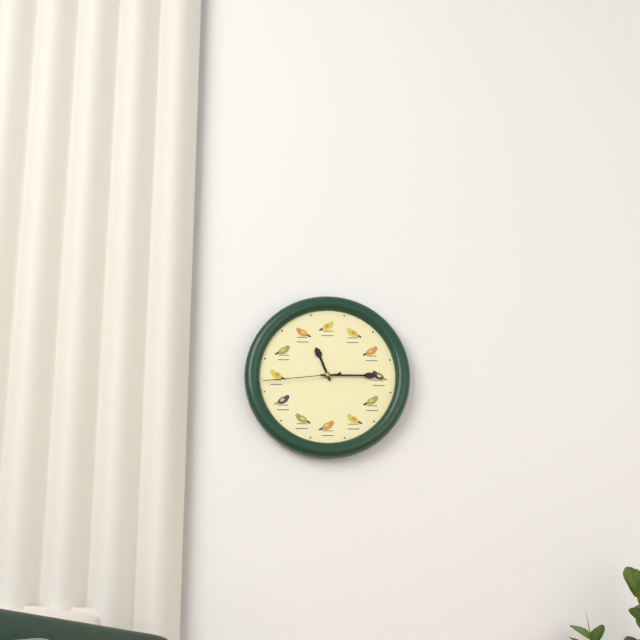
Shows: h=11 m=15 s=44
